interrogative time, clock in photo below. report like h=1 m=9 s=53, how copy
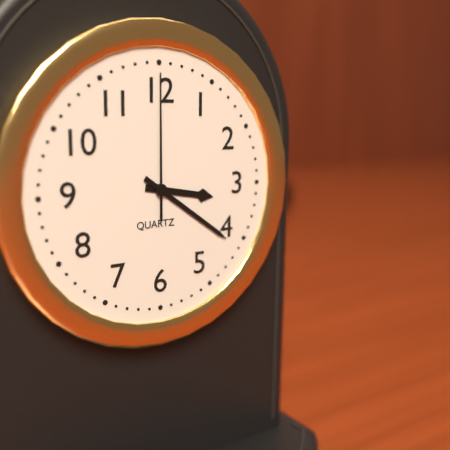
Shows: h=3 m=21 s=0
